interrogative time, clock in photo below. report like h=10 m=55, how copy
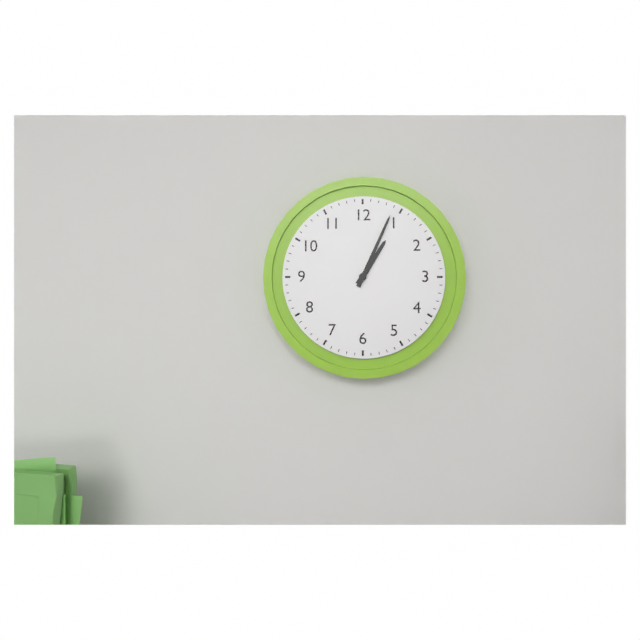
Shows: h=1 m=4
